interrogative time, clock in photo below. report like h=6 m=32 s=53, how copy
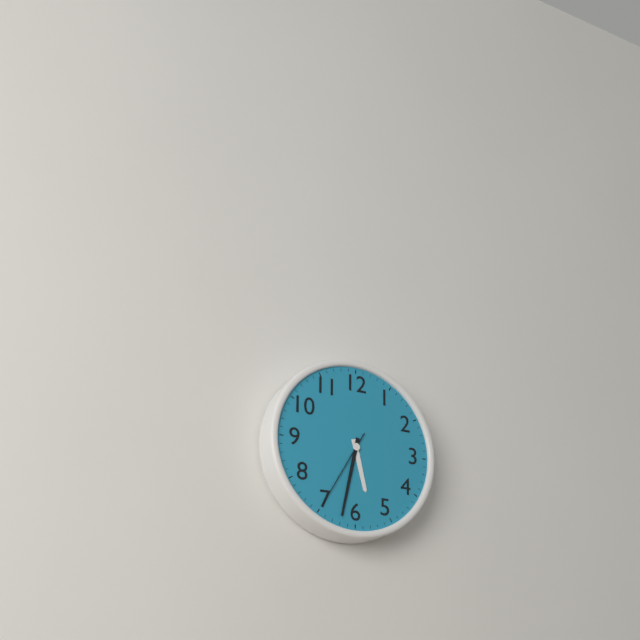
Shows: h=5 m=32 s=35
